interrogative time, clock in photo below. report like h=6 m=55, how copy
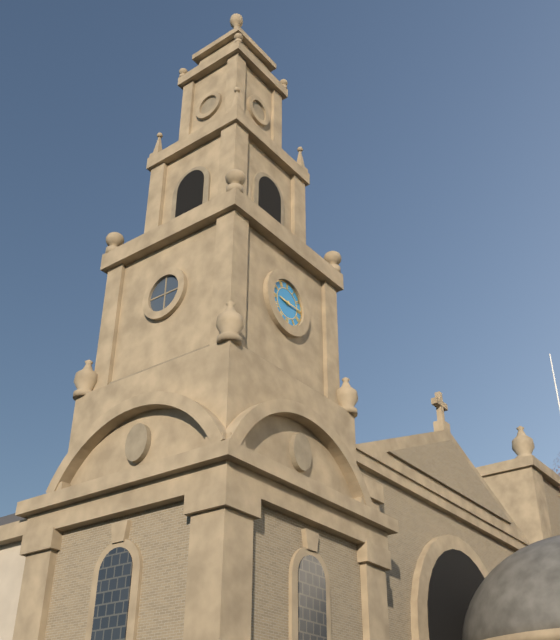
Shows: h=9 m=15
